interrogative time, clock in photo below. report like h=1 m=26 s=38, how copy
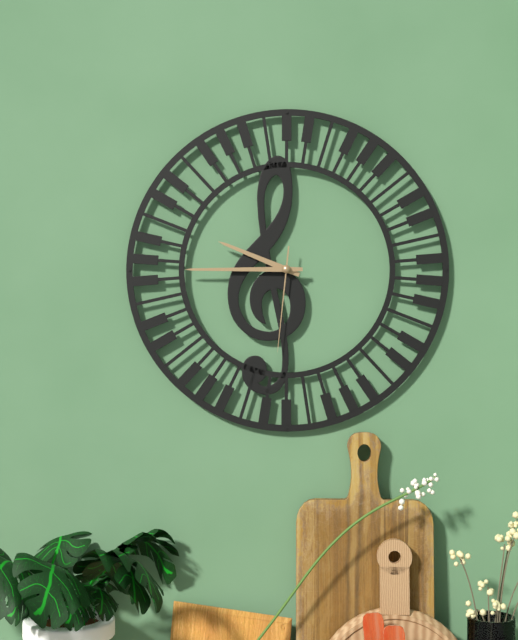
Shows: h=9 m=45 s=31
